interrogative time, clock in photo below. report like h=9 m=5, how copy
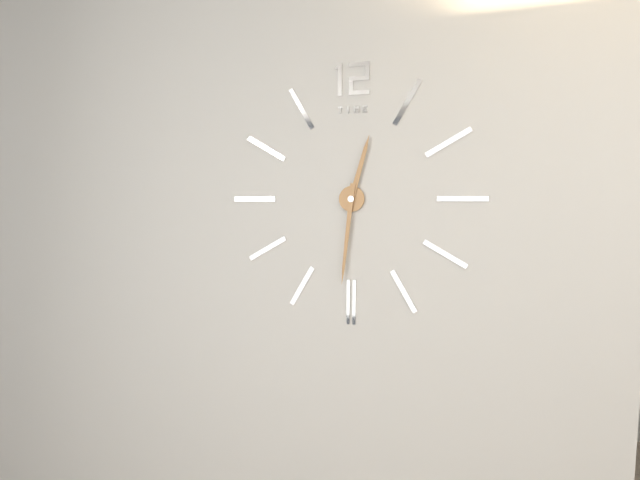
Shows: h=12 m=31
